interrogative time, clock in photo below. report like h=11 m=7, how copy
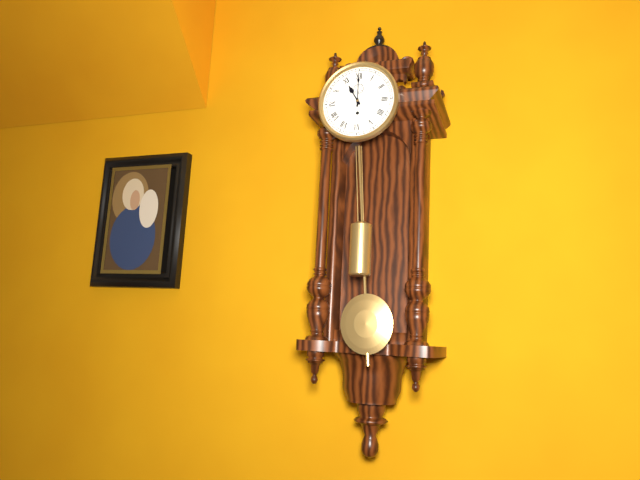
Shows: h=11 m=0
